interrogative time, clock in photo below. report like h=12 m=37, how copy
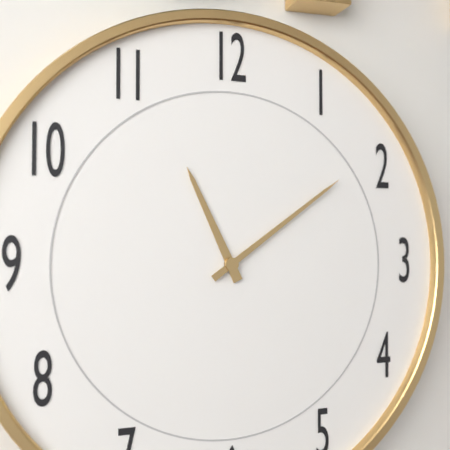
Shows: h=11 m=9
